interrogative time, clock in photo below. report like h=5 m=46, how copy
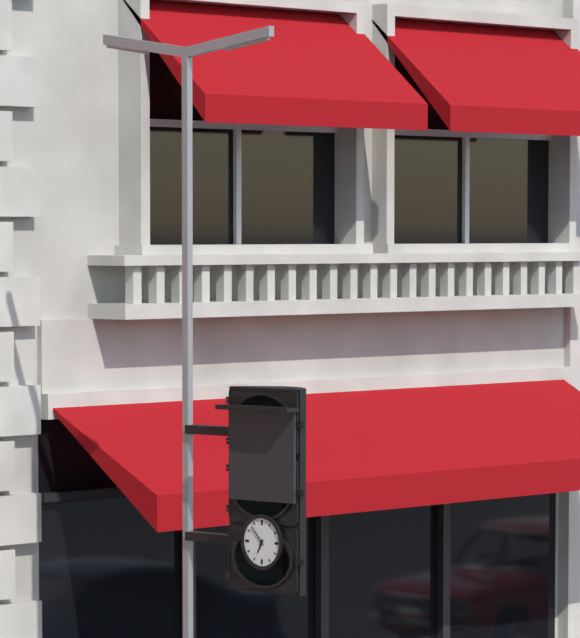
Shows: h=6 m=53
